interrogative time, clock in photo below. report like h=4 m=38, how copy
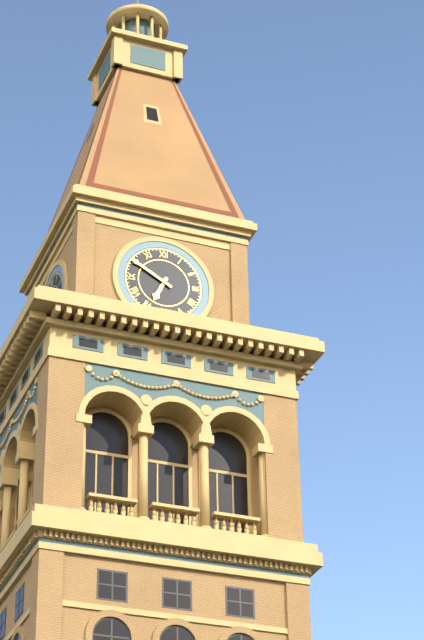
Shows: h=6 m=50
